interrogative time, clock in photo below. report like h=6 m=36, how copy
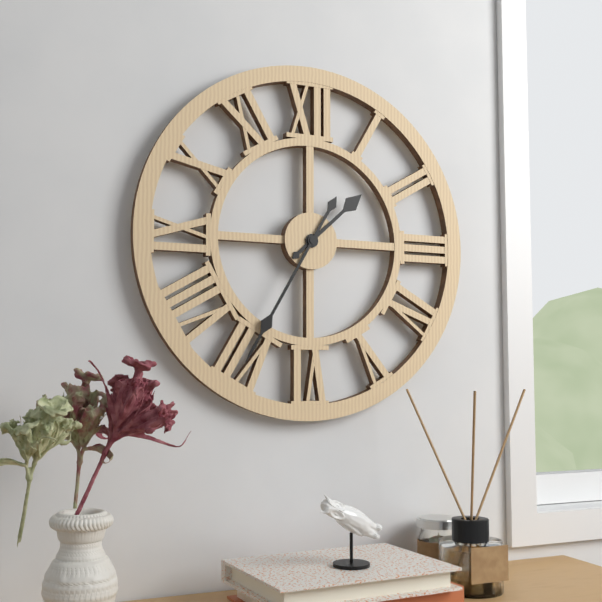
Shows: h=1 m=35
